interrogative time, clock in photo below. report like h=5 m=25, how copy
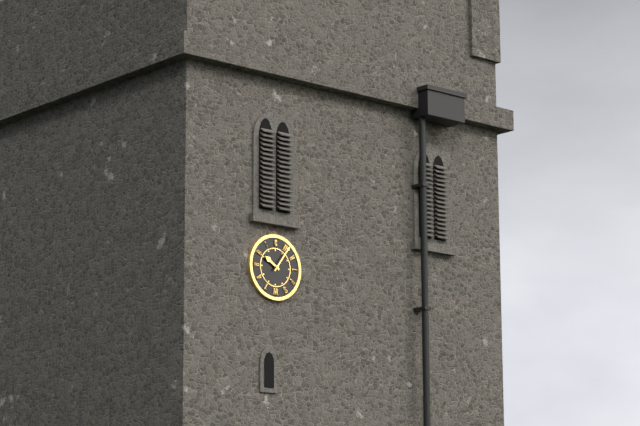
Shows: h=10 m=6
